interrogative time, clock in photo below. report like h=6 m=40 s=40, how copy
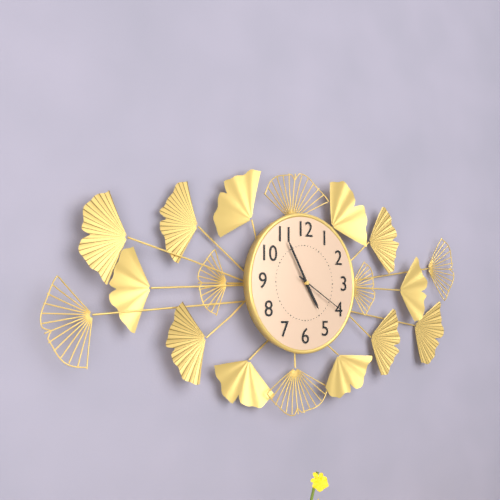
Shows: h=4 m=55 s=20
